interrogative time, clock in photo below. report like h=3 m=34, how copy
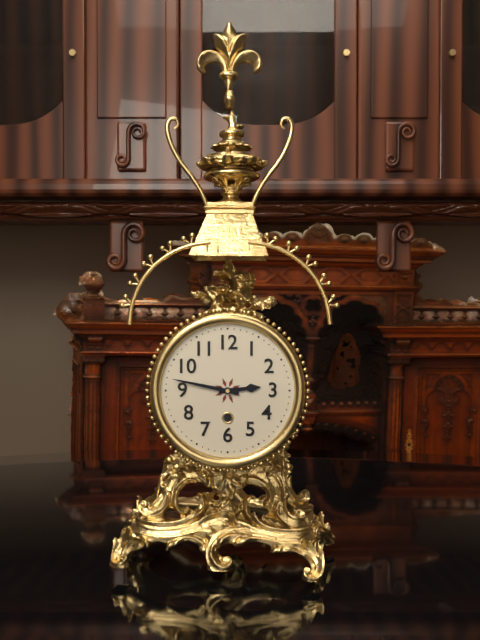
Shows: h=2 m=47
